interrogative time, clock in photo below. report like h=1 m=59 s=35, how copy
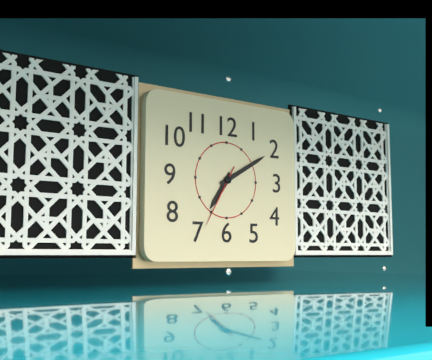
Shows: h=7 m=10 s=35
